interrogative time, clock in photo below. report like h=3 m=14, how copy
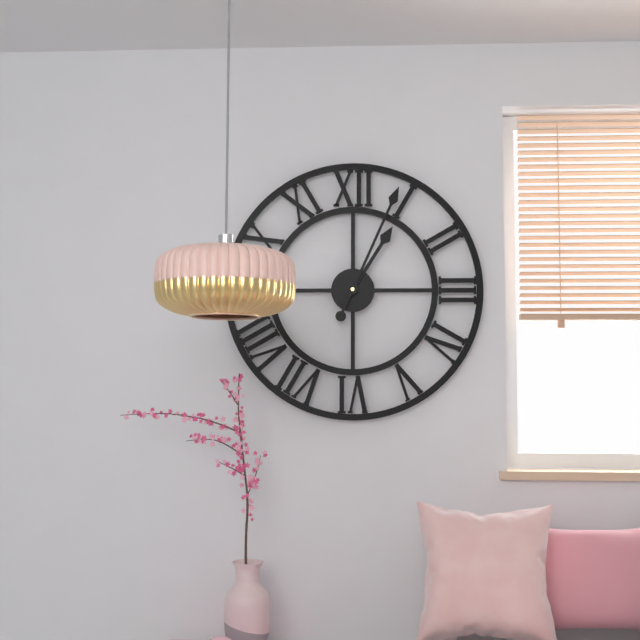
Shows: h=1 m=4
